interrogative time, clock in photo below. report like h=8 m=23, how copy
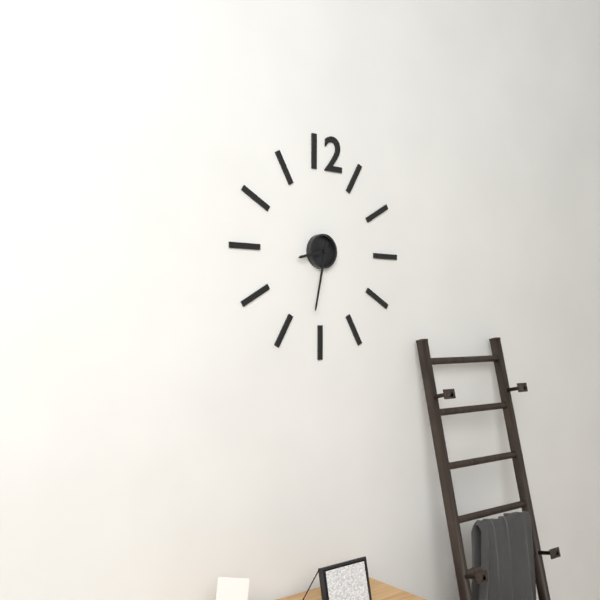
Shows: h=8 m=32
